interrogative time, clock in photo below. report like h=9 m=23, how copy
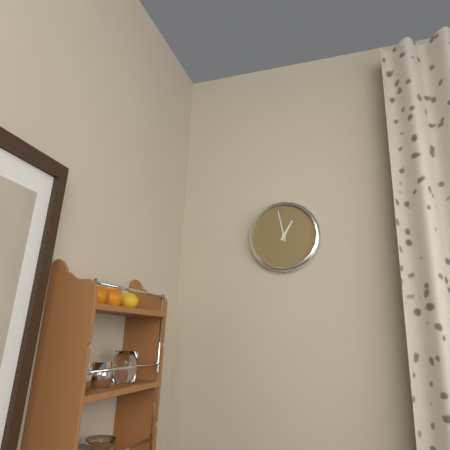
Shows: h=12 m=58
